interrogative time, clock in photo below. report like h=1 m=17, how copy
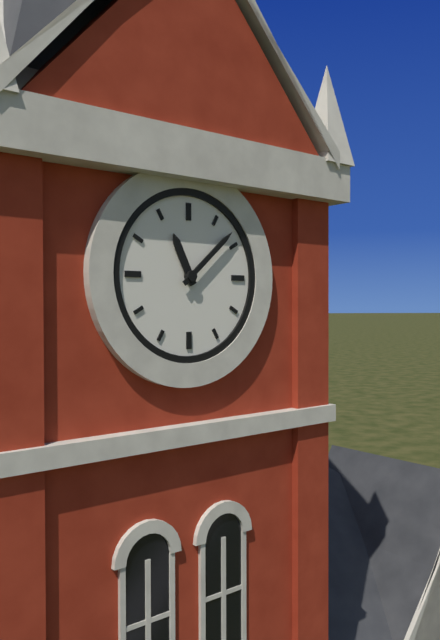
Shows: h=11 m=8
